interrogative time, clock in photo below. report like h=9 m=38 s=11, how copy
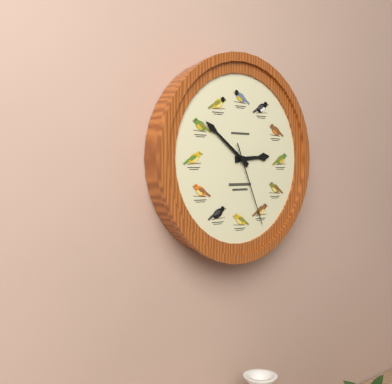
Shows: h=2 m=51 s=26
